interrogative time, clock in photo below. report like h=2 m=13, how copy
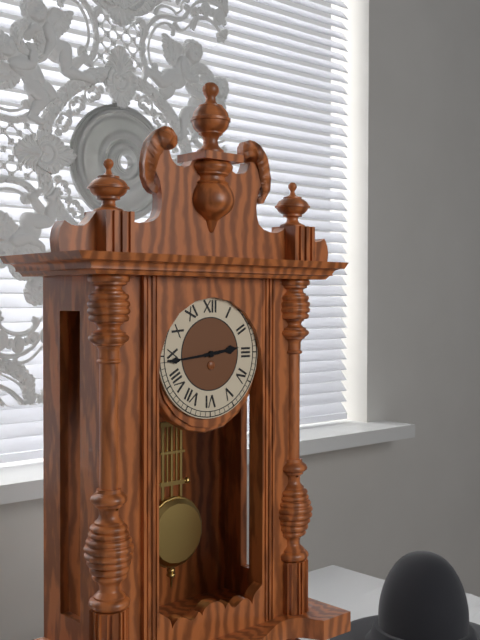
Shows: h=2 m=44
